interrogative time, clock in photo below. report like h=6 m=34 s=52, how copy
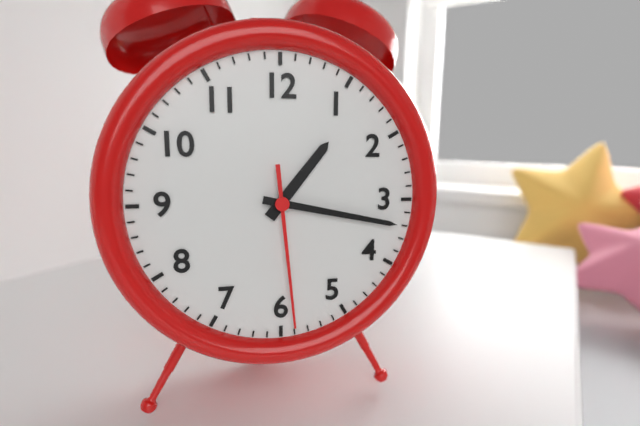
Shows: h=1 m=17 s=29
